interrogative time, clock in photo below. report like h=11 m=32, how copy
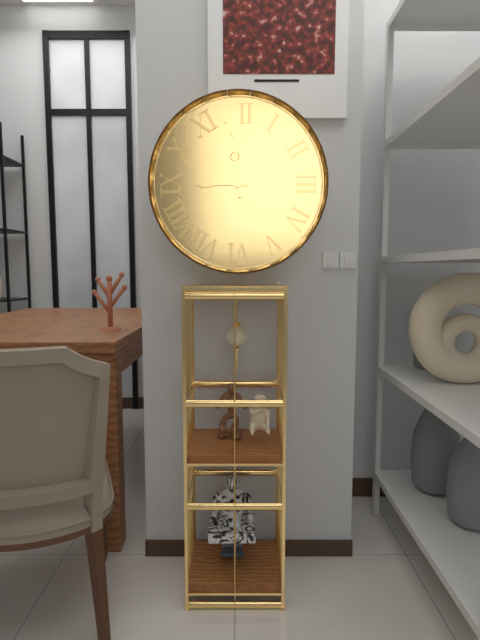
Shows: h=8 m=59
